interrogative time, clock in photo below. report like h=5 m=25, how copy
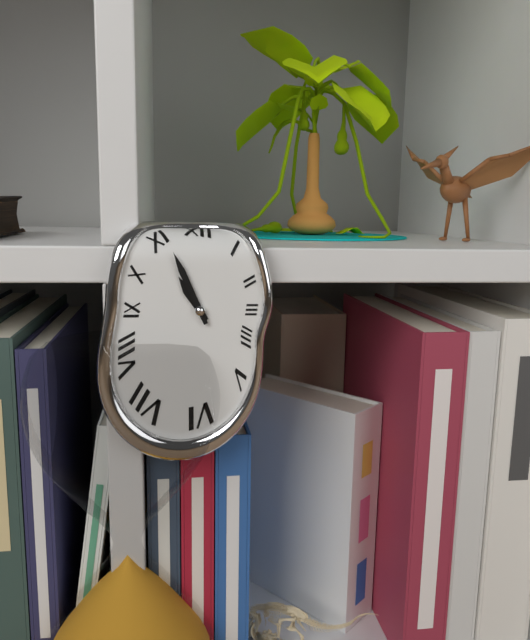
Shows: h=10 m=56
